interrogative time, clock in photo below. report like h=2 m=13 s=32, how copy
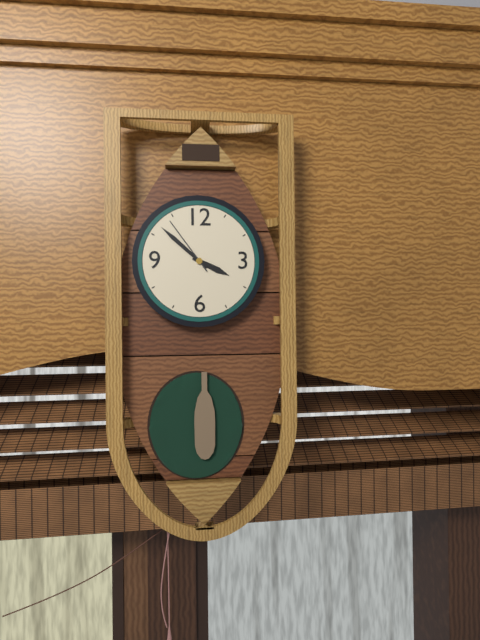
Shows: h=3 m=52 s=54
